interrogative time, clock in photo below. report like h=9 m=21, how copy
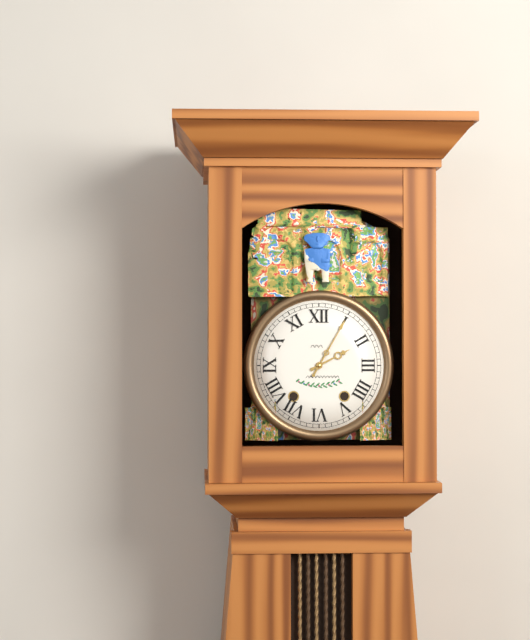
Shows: h=2 m=5
